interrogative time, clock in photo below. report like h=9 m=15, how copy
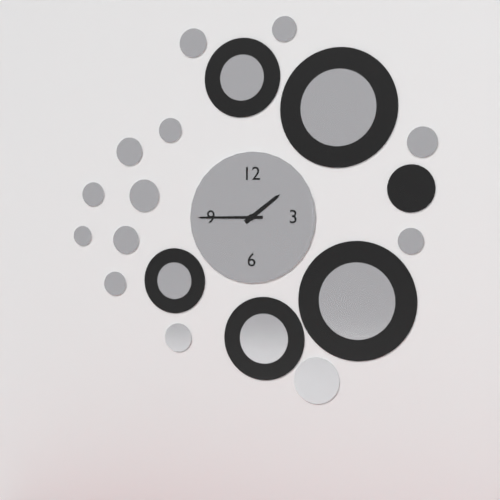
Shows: h=1 m=45
